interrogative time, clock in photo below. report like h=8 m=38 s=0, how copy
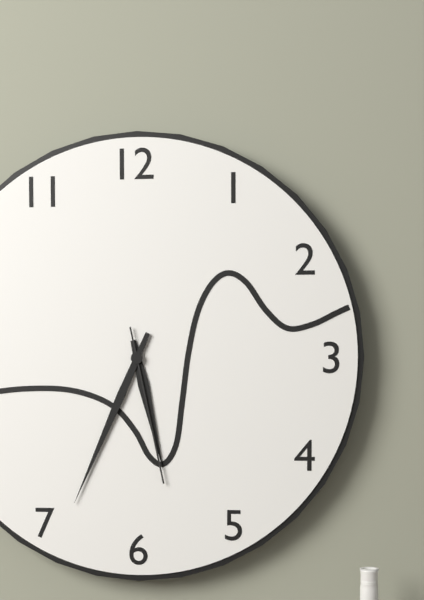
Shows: h=5 m=34 s=28
